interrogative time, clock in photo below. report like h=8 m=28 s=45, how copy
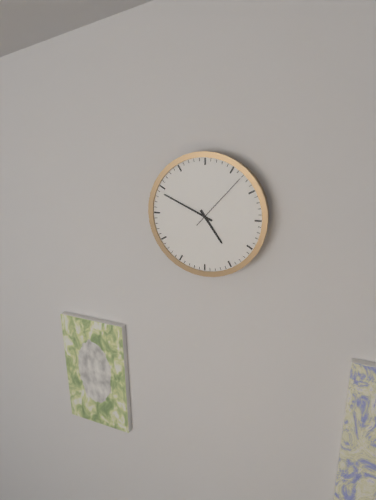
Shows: h=4 m=49 s=7
